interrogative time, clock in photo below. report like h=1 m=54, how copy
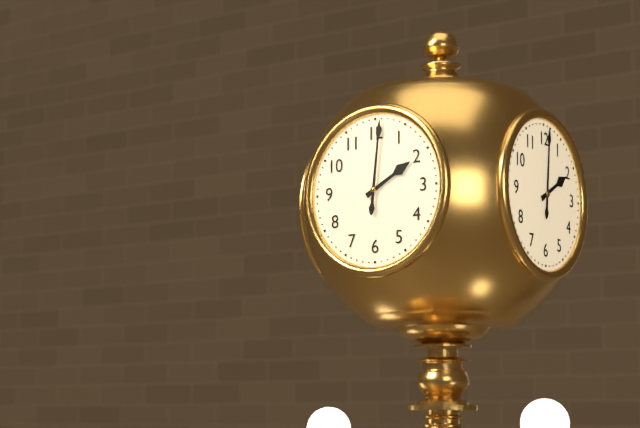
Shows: h=2 m=1
